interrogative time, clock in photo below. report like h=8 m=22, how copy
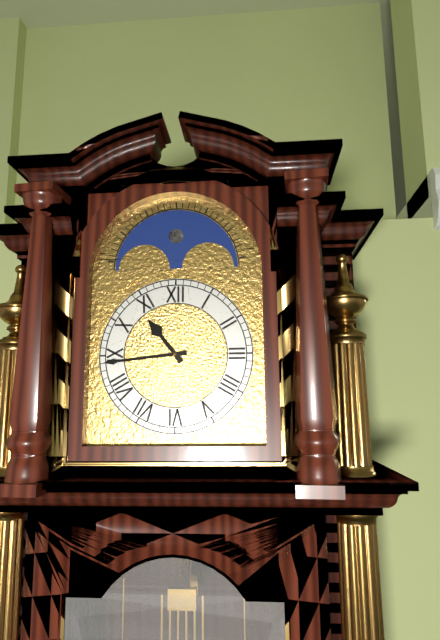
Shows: h=10 m=44
